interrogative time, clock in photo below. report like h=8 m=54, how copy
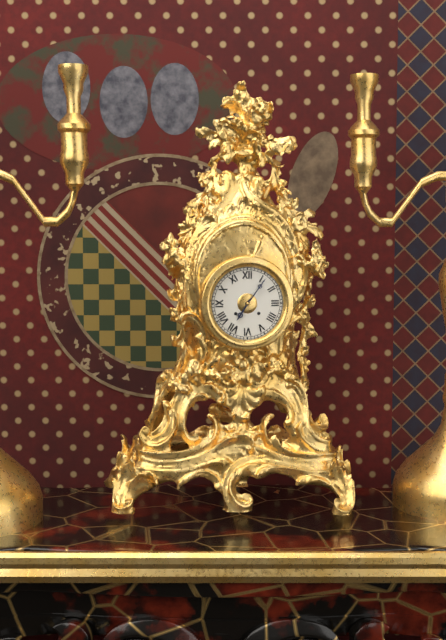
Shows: h=7 m=6
